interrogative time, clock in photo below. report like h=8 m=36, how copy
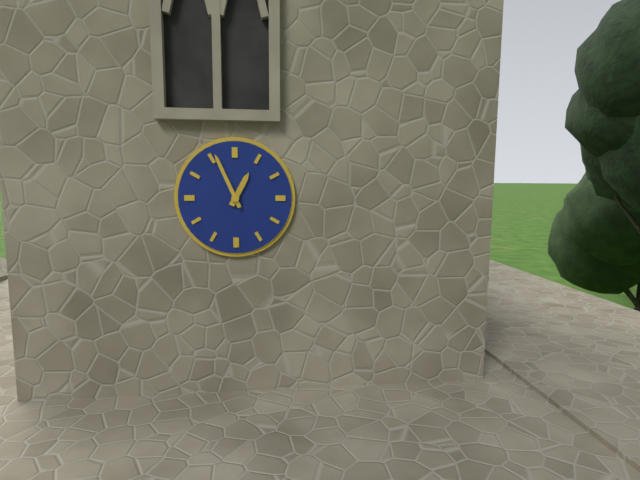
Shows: h=12 m=56
